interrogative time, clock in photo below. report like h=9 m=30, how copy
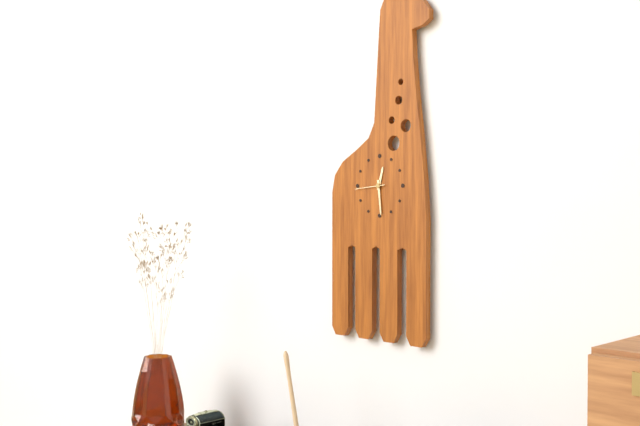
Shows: h=12 m=29
